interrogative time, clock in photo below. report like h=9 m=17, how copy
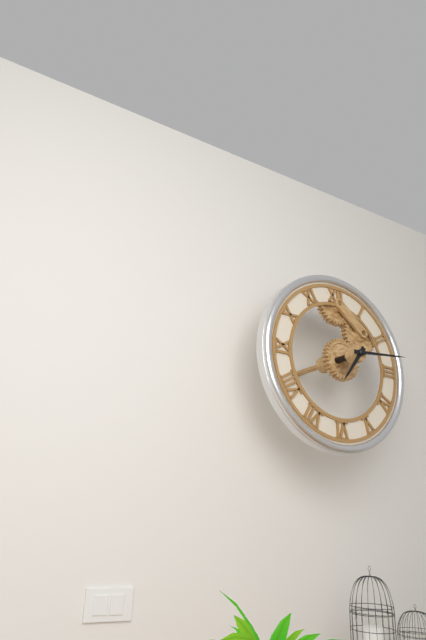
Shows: h=7 m=14
